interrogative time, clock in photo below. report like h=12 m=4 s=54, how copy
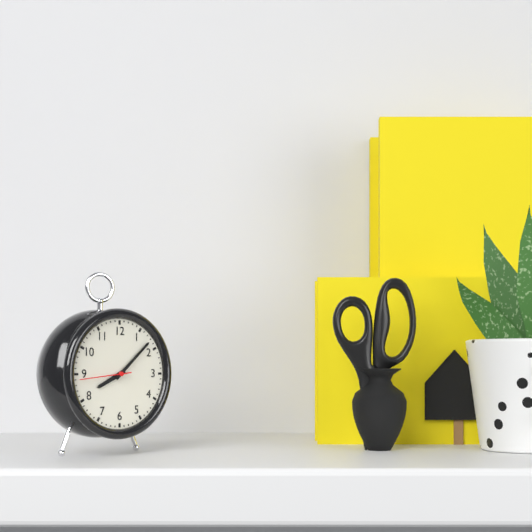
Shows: h=8 m=8 s=44
